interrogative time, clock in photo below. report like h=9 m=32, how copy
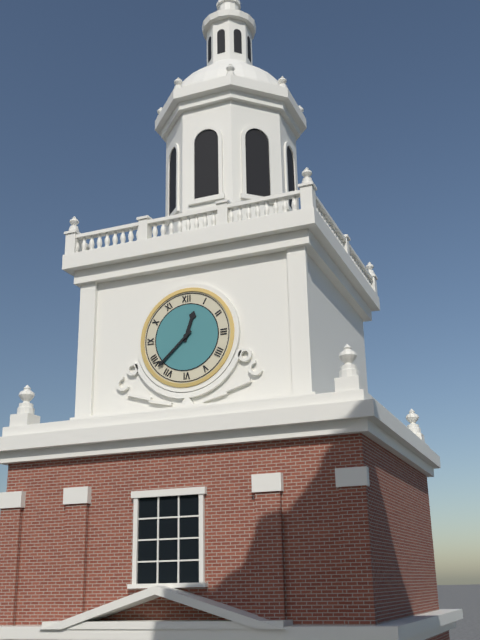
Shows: h=12 m=38
